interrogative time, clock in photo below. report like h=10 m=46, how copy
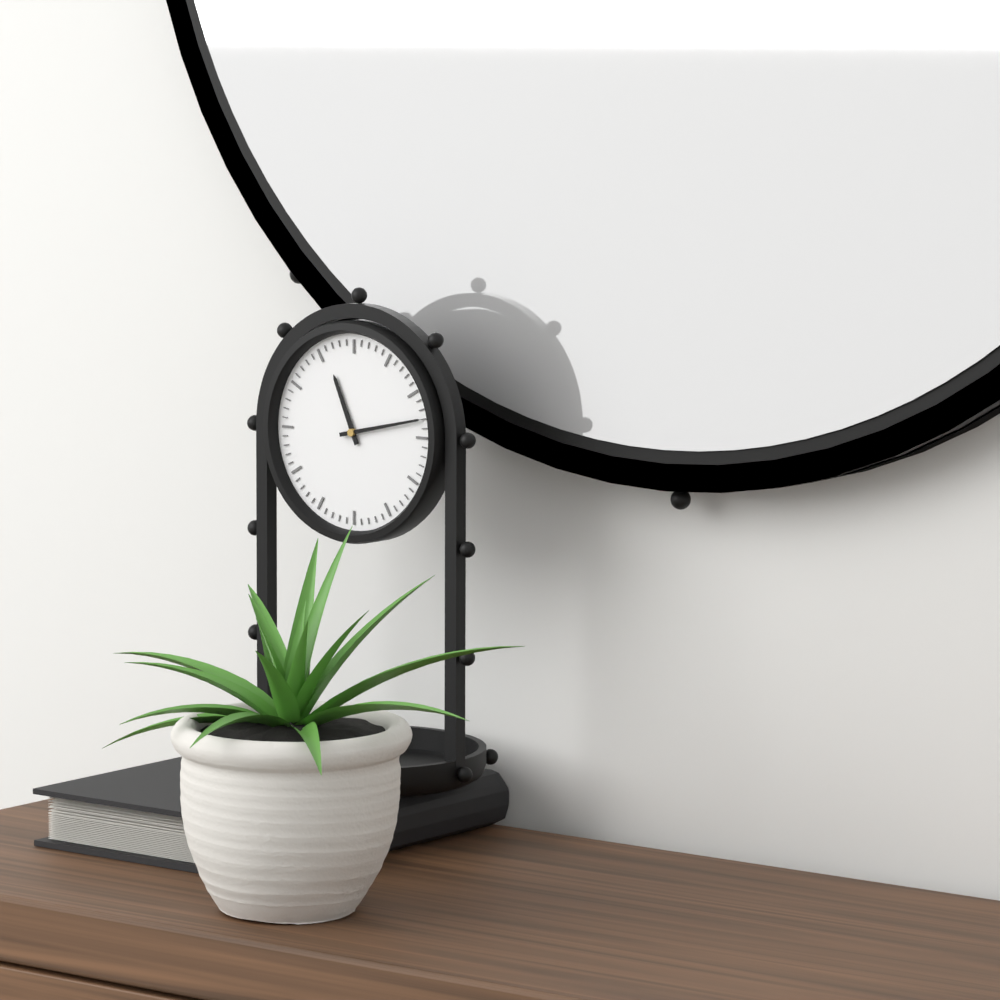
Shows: h=11 m=13
